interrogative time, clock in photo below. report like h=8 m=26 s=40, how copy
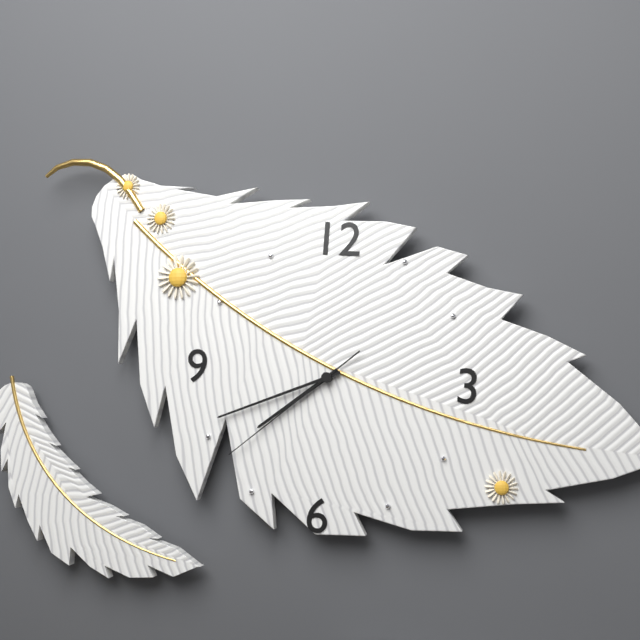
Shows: h=7 m=41 s=38
